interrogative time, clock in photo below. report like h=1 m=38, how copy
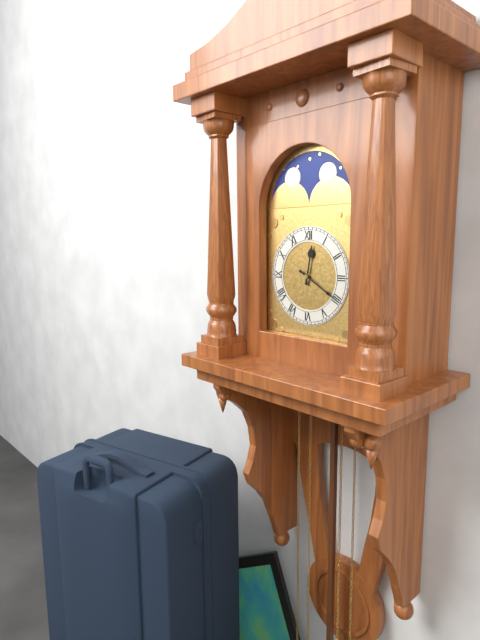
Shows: h=12 m=20
